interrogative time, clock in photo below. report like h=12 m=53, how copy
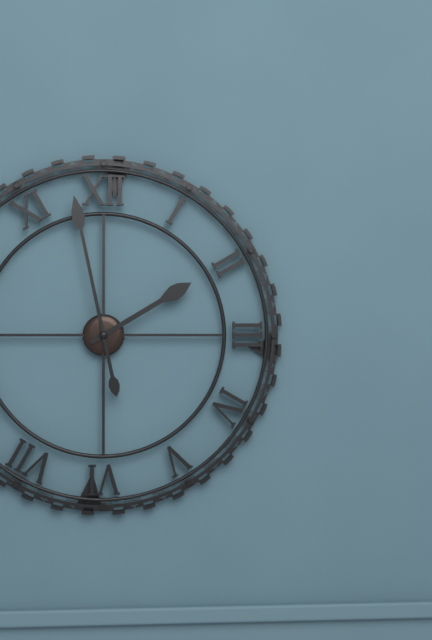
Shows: h=1 m=58
